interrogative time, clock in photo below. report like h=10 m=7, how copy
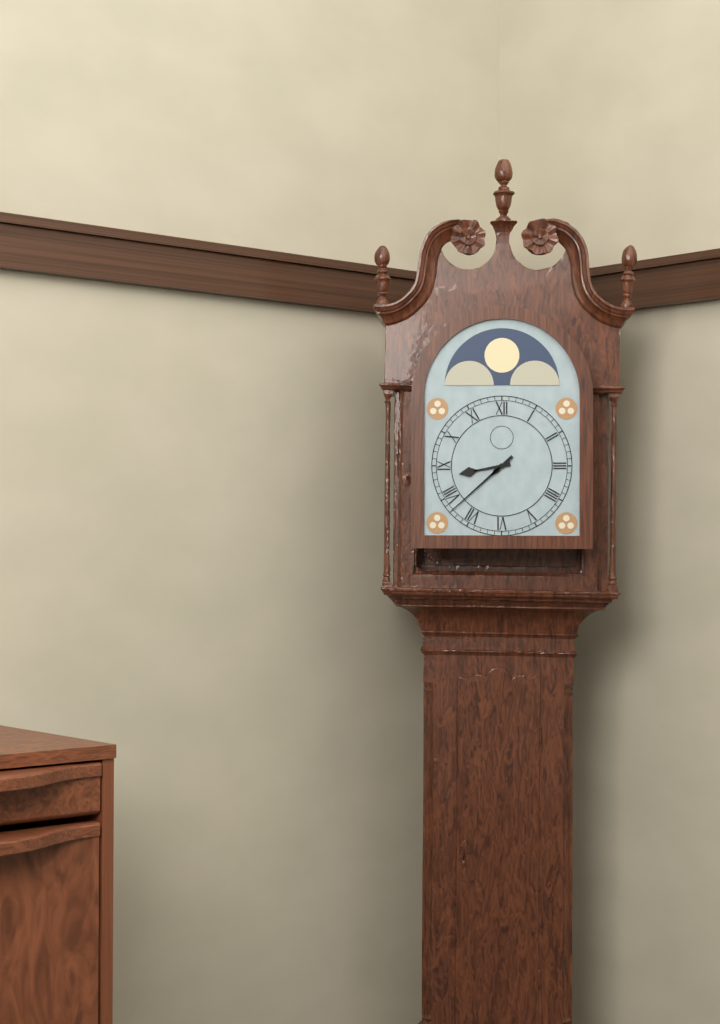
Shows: h=8 m=38
